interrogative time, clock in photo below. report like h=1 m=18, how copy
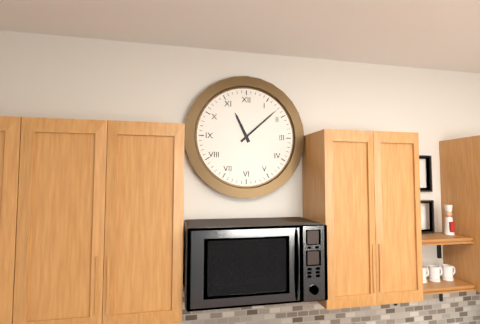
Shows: h=11 m=8
